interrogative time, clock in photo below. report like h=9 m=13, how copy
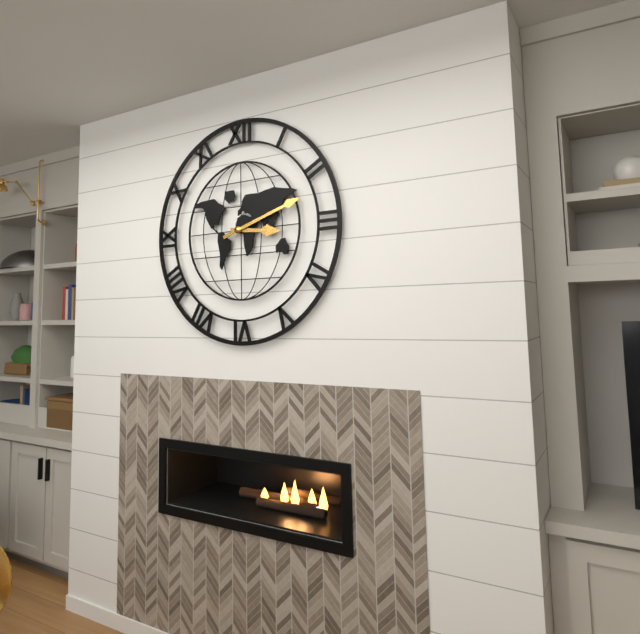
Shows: h=3 m=12
